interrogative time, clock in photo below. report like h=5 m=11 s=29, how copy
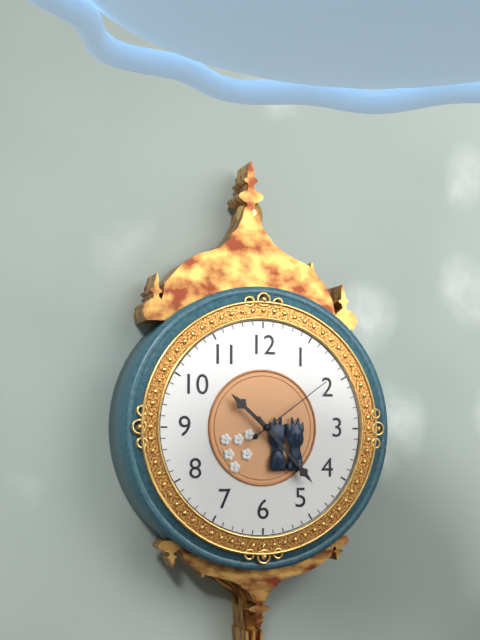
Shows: h=10 m=23 s=9
